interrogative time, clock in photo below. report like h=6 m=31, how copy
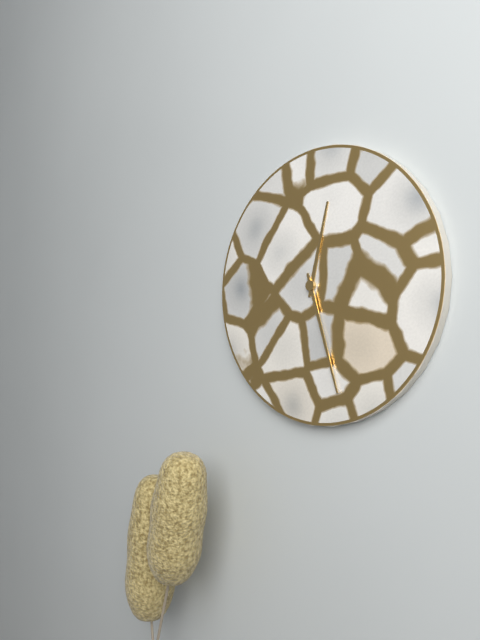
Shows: h=12 m=27
